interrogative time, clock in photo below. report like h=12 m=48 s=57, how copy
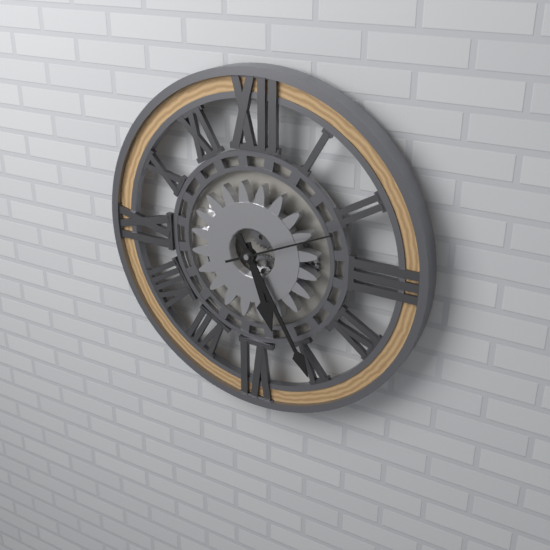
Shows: h=5 m=25 s=11
